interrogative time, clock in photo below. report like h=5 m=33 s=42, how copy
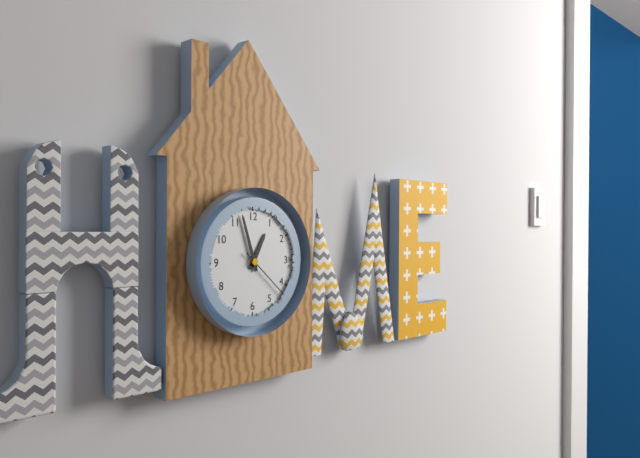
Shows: h=12 m=57 s=22
